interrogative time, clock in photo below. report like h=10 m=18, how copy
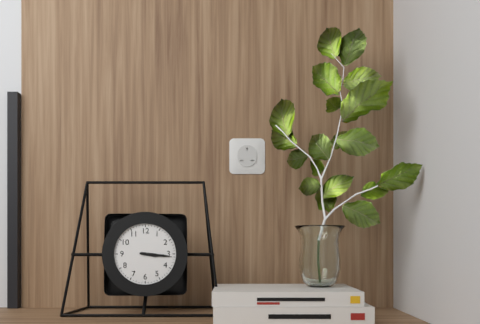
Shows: h=3 m=16
